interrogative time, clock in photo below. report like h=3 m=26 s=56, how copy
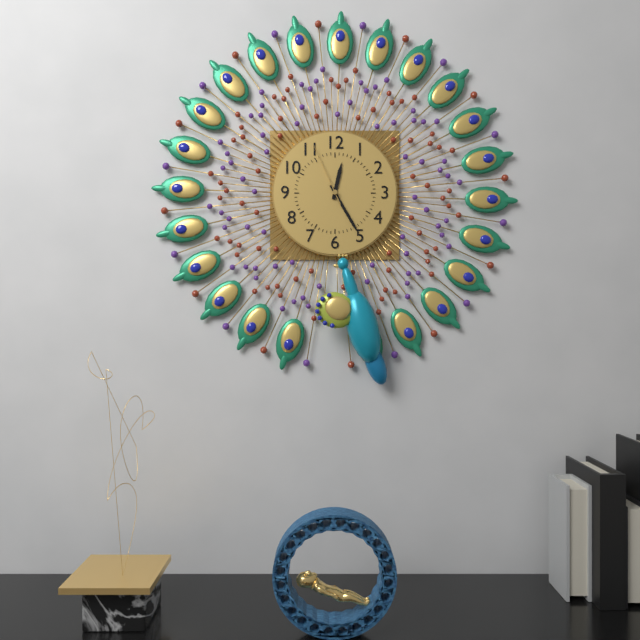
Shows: h=12 m=25 s=56
